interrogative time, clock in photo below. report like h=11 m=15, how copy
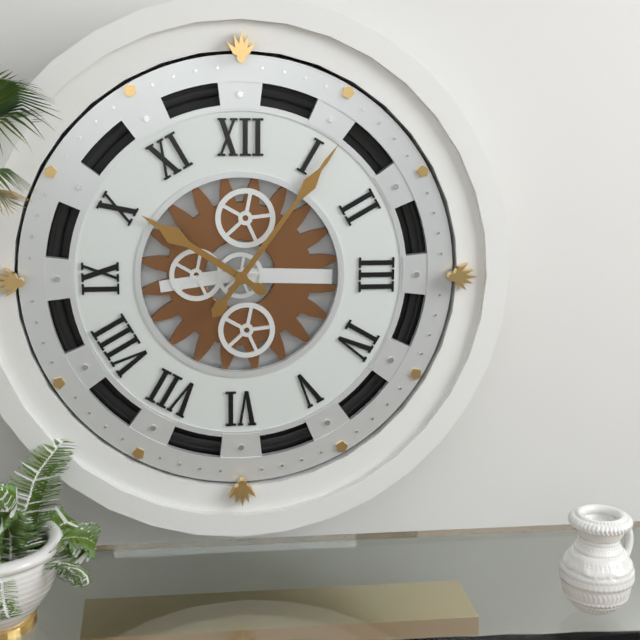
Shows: h=10 m=6
